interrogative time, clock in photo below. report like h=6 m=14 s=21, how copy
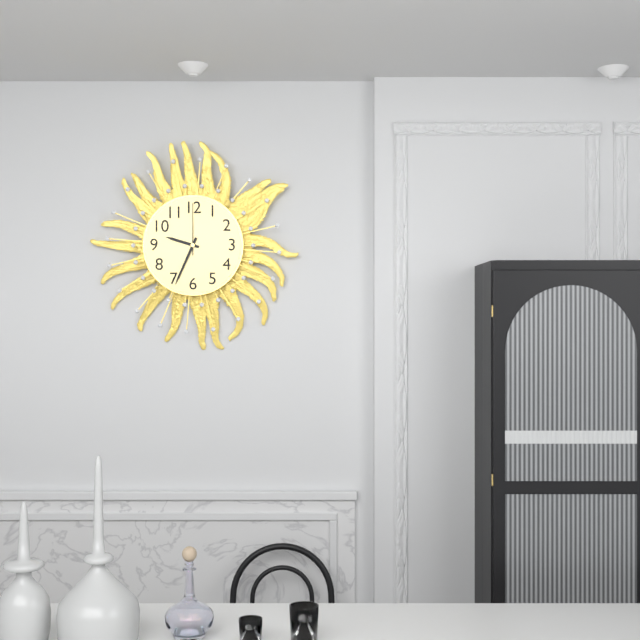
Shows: h=9 m=34 s=0
